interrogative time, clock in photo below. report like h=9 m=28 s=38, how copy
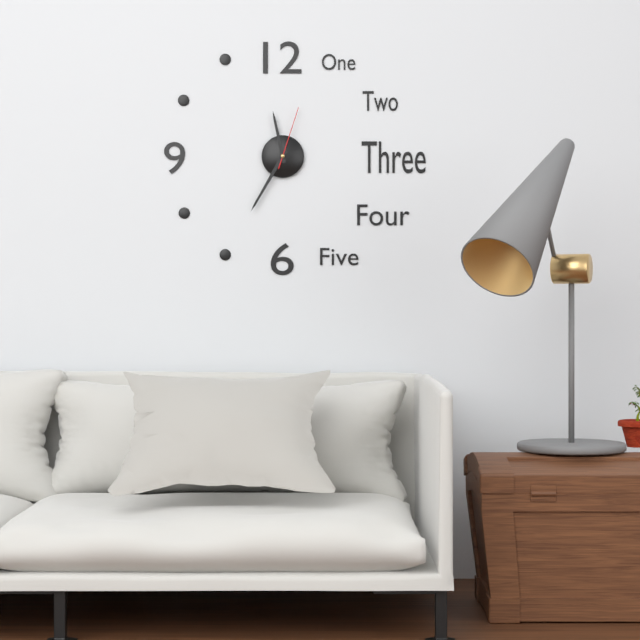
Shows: h=11 m=35 s=3
